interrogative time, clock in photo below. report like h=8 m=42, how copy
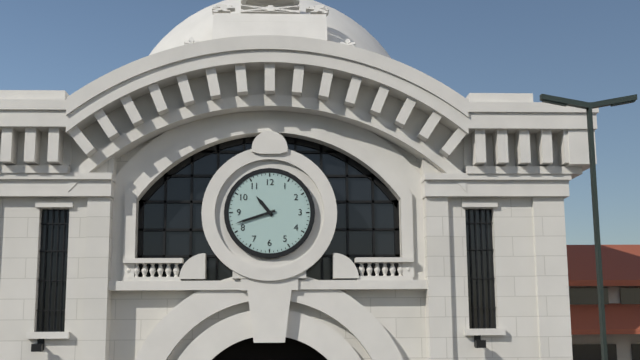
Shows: h=10 m=42
